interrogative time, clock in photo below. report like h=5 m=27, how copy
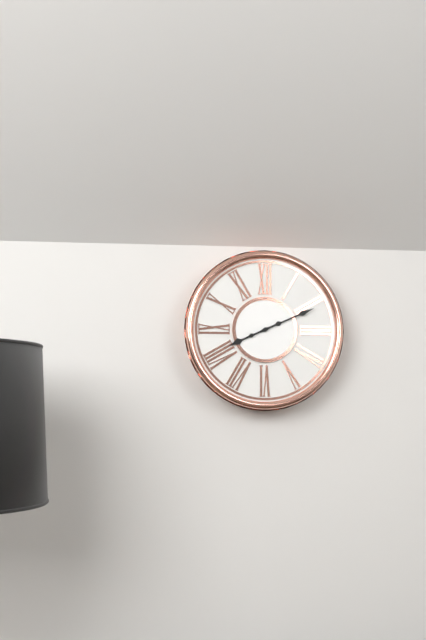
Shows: h=8 m=11
